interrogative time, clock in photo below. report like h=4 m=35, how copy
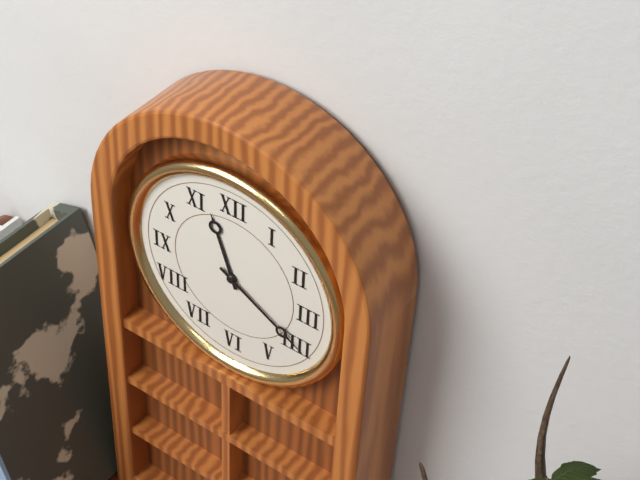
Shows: h=11 m=20
